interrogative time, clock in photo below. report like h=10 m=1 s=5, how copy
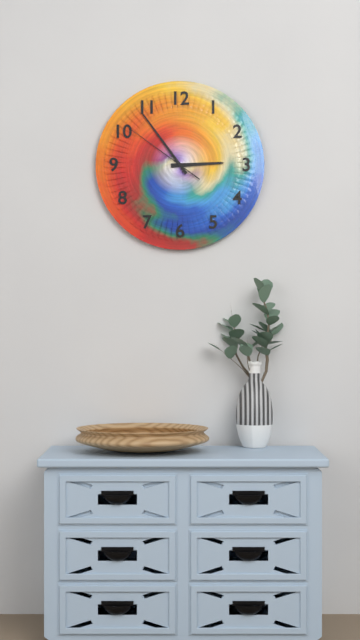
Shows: h=2 m=54 s=51
